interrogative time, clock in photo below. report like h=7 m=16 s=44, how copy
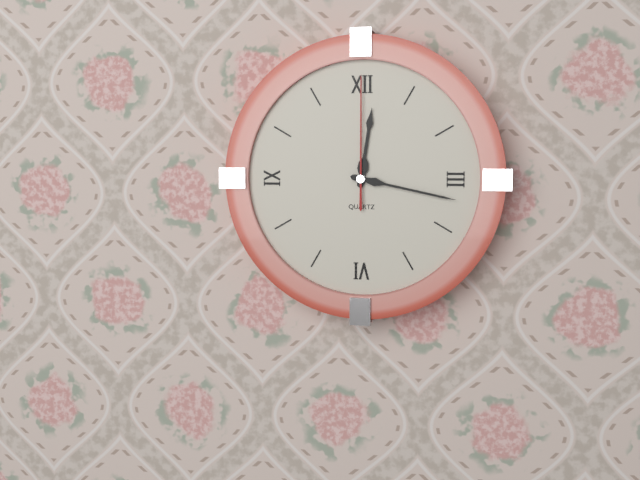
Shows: h=12 m=17 s=0
